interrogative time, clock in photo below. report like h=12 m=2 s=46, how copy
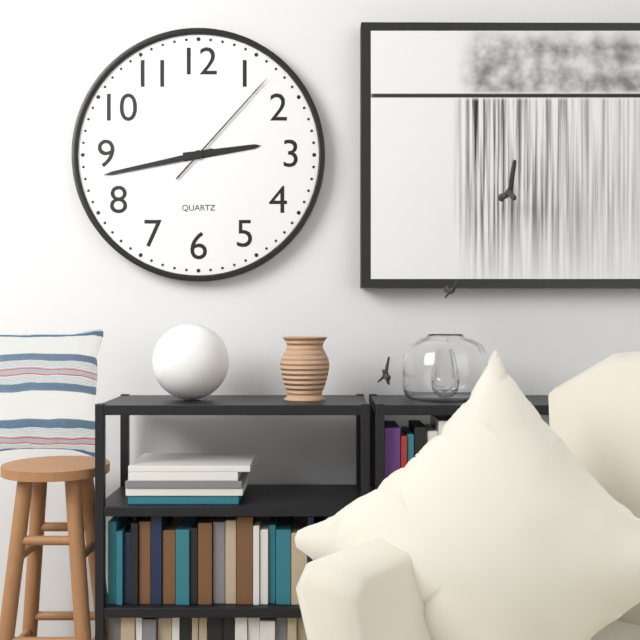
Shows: h=2 m=43 s=7
